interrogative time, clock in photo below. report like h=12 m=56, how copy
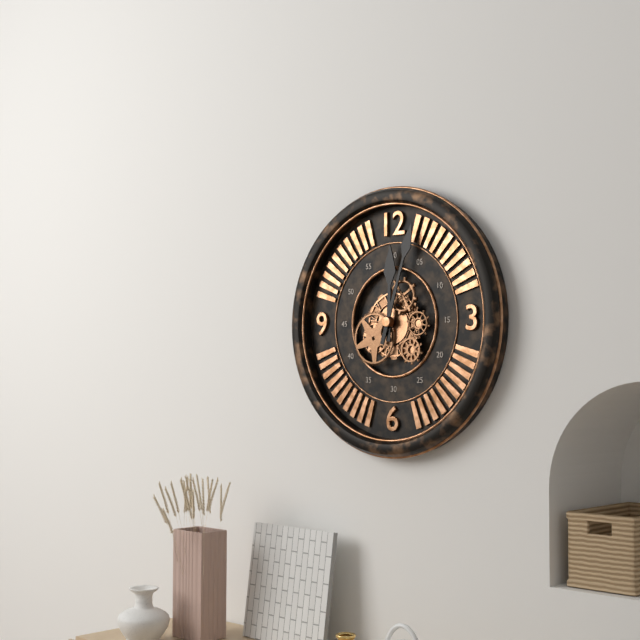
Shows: h=12 m=3
